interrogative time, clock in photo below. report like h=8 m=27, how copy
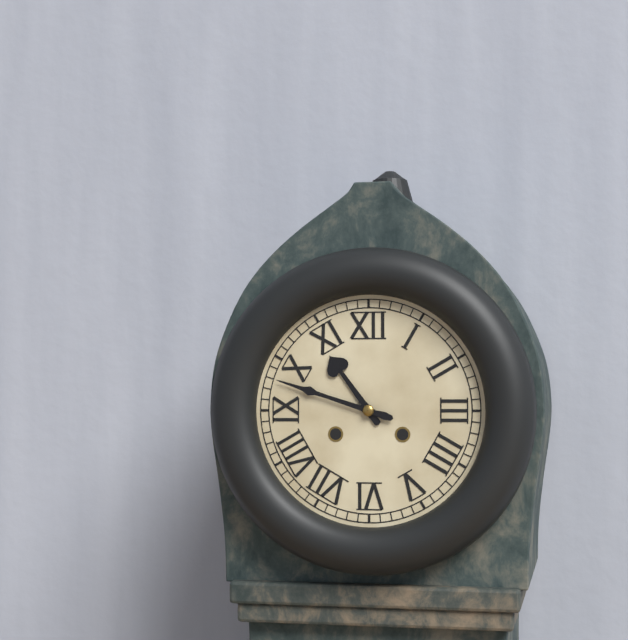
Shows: h=10 m=48
